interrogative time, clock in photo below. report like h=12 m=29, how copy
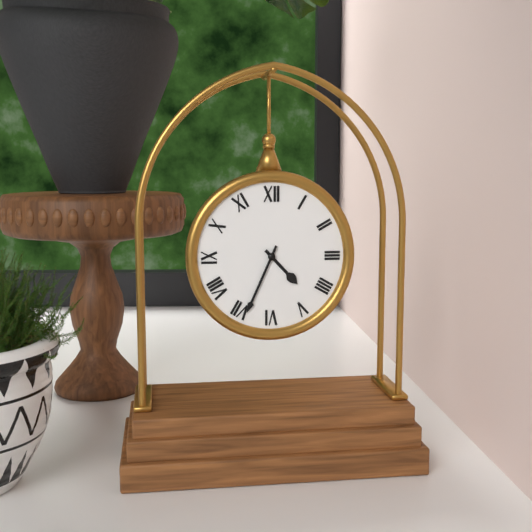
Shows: h=4 m=34
